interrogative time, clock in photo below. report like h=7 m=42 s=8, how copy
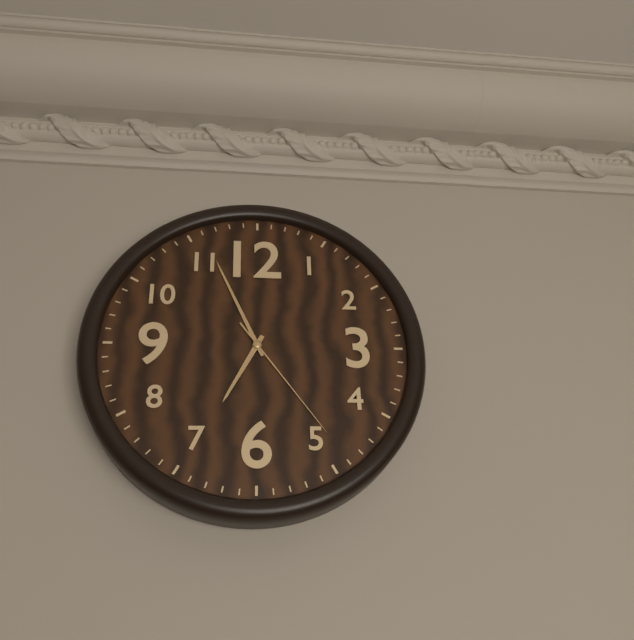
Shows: h=6 m=56 s=24
